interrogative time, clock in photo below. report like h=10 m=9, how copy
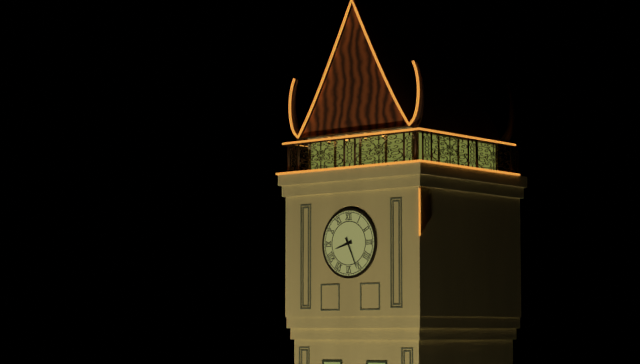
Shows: h=8 m=26
